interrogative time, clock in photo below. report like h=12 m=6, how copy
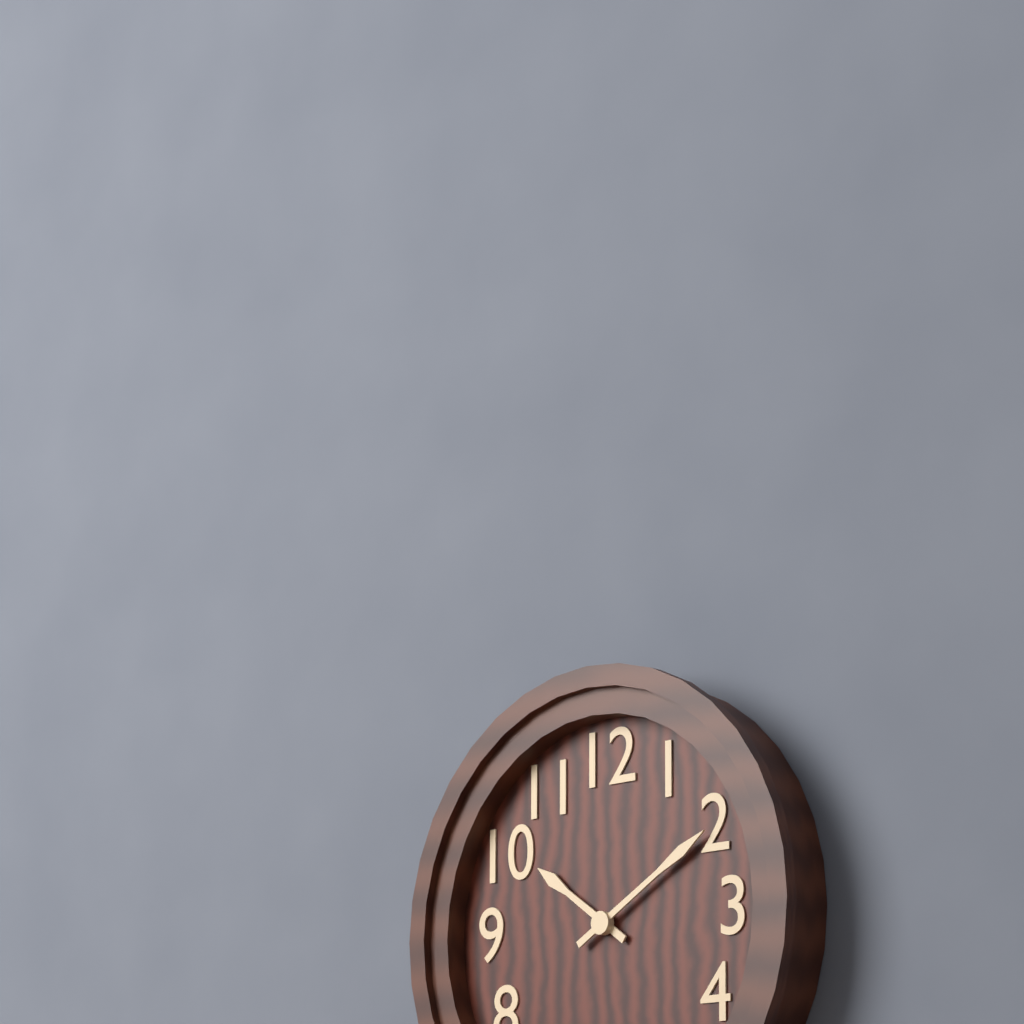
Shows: h=10 m=10
